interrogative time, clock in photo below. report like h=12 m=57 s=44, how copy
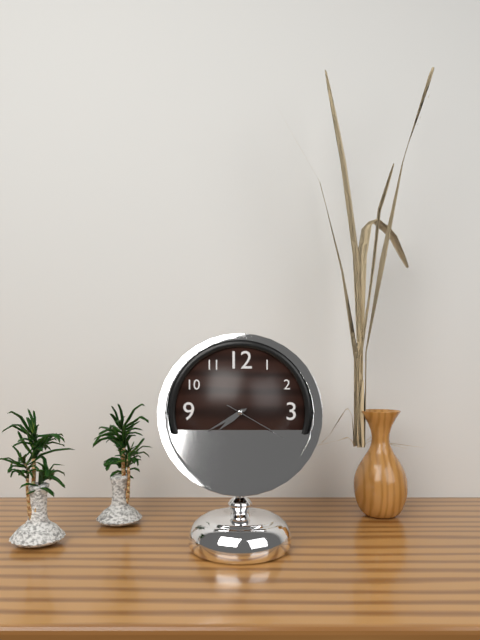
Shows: h=7 m=40 s=20
